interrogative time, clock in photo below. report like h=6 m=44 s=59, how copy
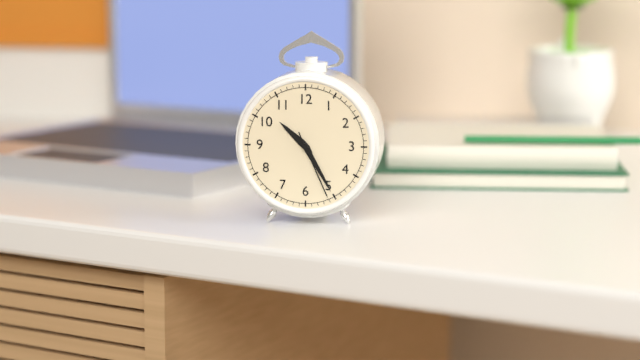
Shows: h=10 m=25 s=26
